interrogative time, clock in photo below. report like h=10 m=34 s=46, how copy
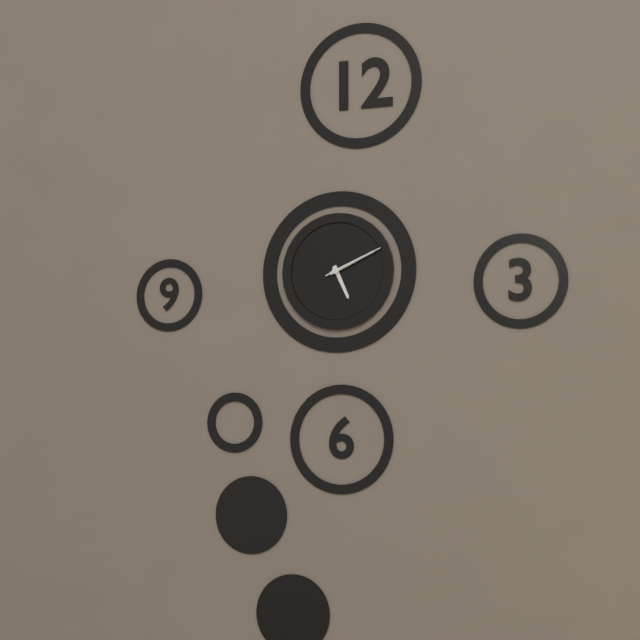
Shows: h=5 m=11 s=11
